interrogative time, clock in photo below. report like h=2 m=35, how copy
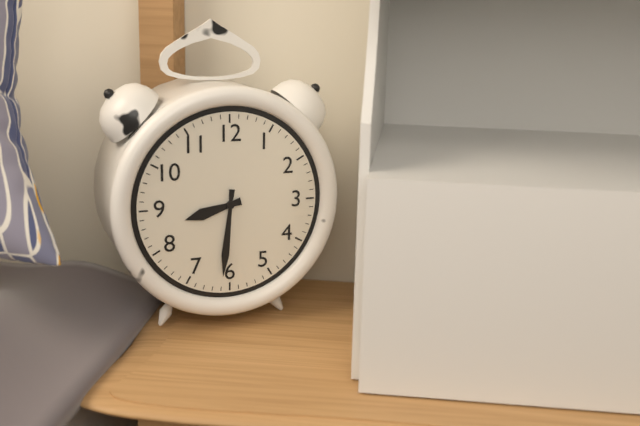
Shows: h=8 m=31
